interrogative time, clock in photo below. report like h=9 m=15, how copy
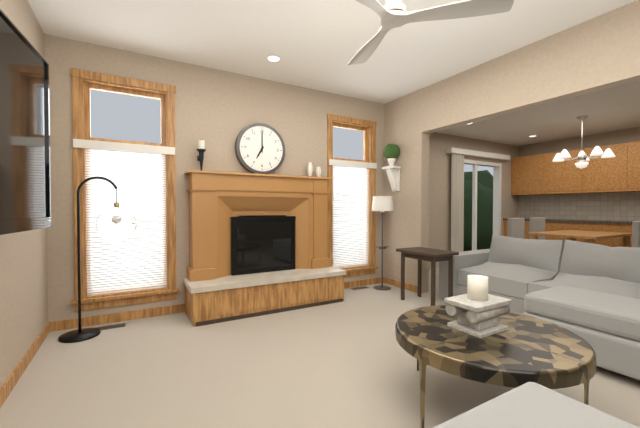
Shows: h=7 m=0
